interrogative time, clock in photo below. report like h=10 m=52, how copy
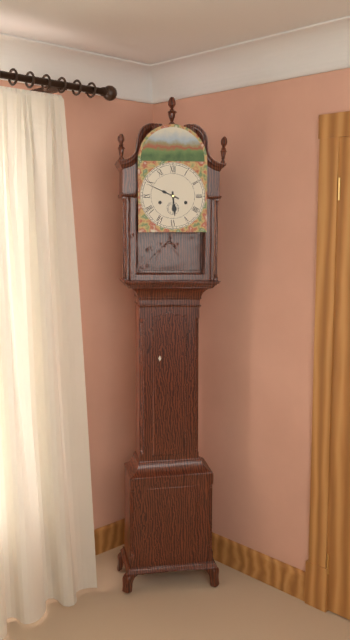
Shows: h=5 m=49
